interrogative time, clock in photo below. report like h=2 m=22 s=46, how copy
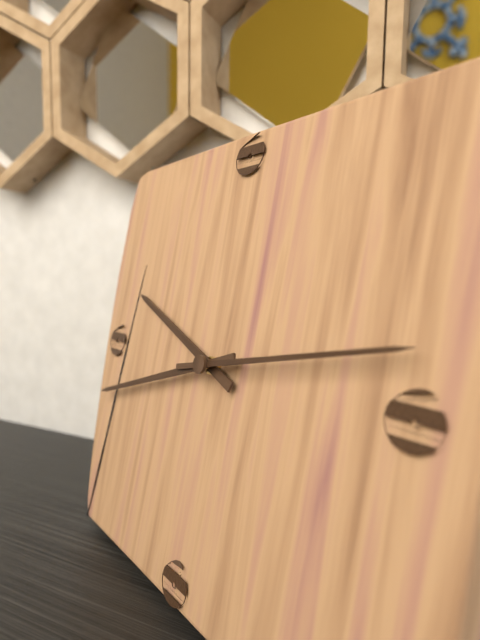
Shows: h=9 m=42 s=13
